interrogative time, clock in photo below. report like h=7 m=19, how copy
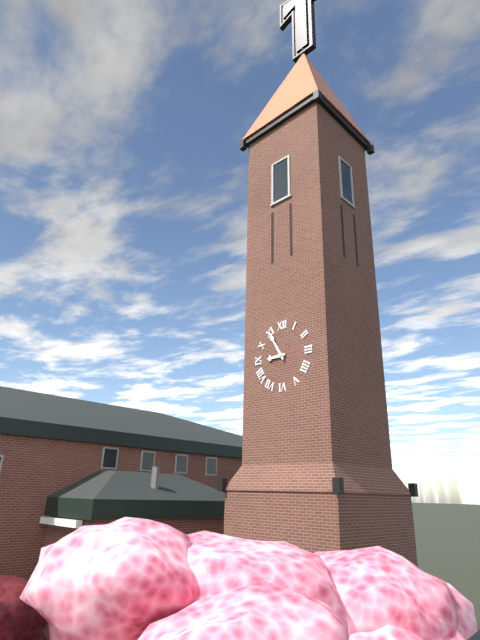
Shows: h=8 m=55
